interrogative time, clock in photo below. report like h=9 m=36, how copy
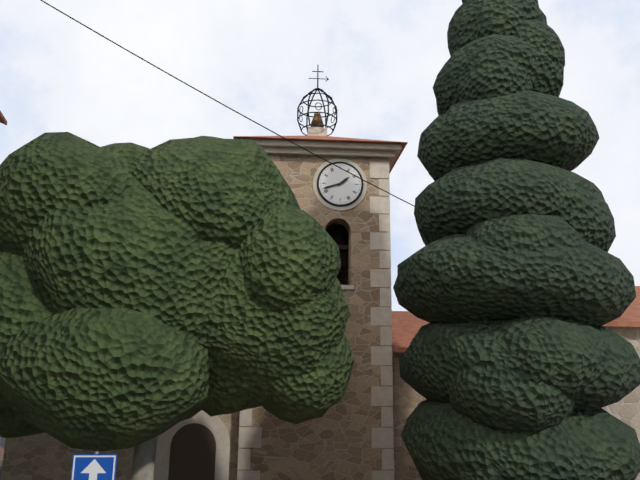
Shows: h=1 m=42
